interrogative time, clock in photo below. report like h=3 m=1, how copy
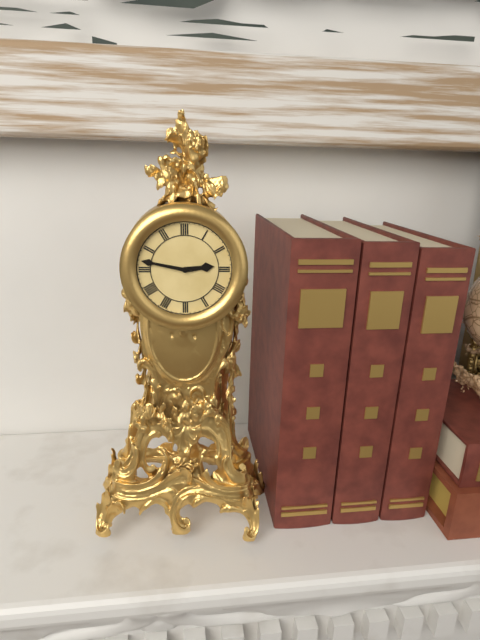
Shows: h=2 m=47
